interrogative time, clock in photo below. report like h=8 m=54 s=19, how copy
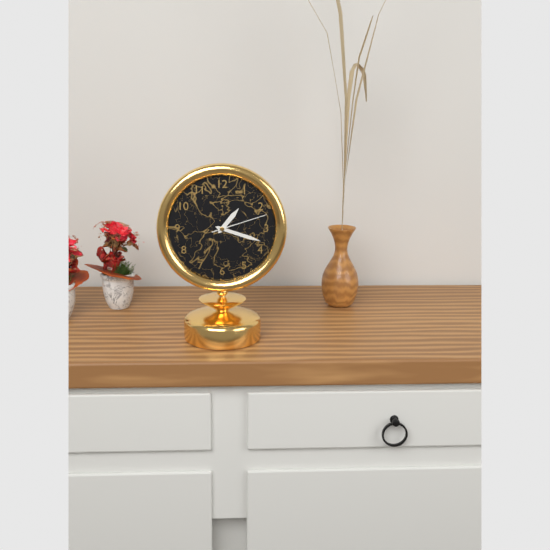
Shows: h=1 m=18 s=12
